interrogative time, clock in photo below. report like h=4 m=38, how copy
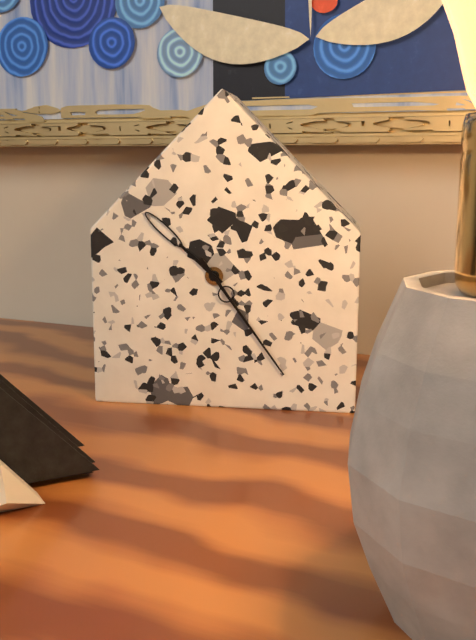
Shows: h=10 m=24
